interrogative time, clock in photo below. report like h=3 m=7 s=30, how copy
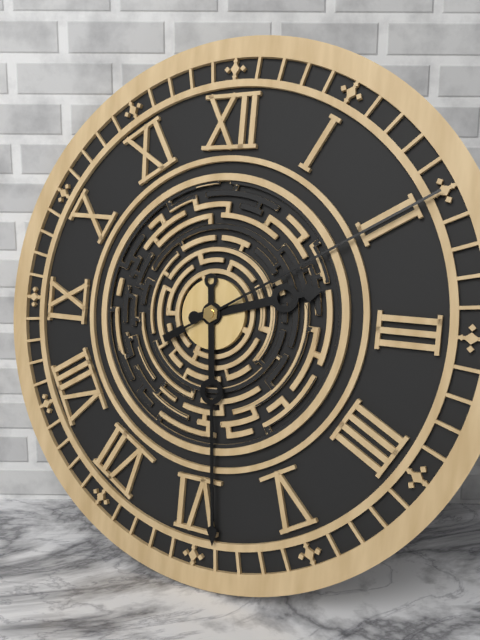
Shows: h=2 m=29 s=10
